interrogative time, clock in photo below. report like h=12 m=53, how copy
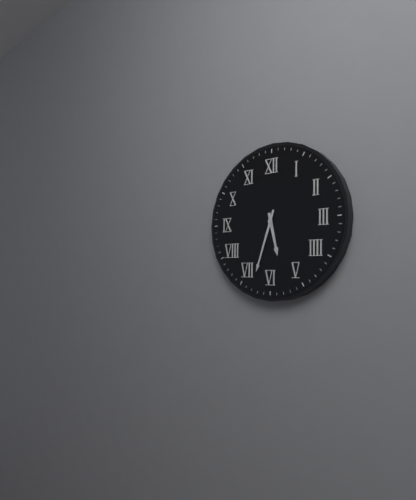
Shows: h=5 m=33
